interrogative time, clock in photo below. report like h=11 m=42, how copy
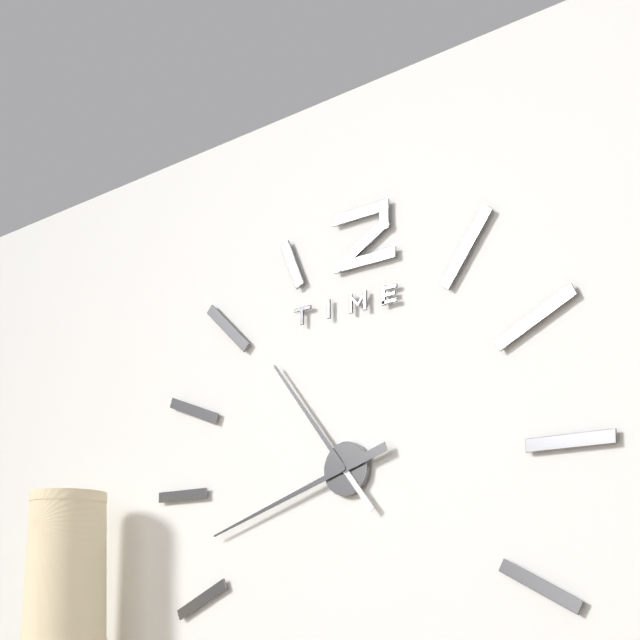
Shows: h=10 m=42
